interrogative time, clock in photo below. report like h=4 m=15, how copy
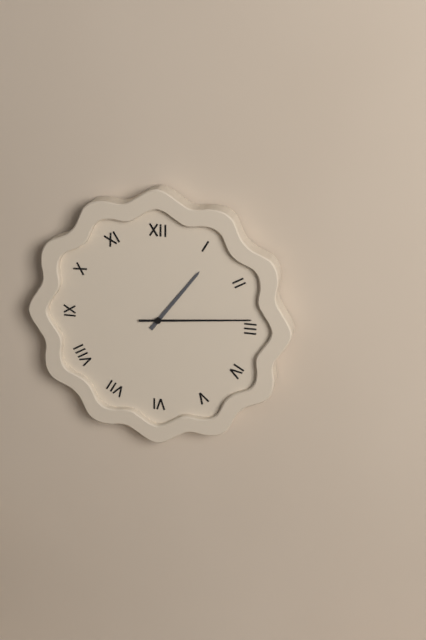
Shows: h=1 m=14
